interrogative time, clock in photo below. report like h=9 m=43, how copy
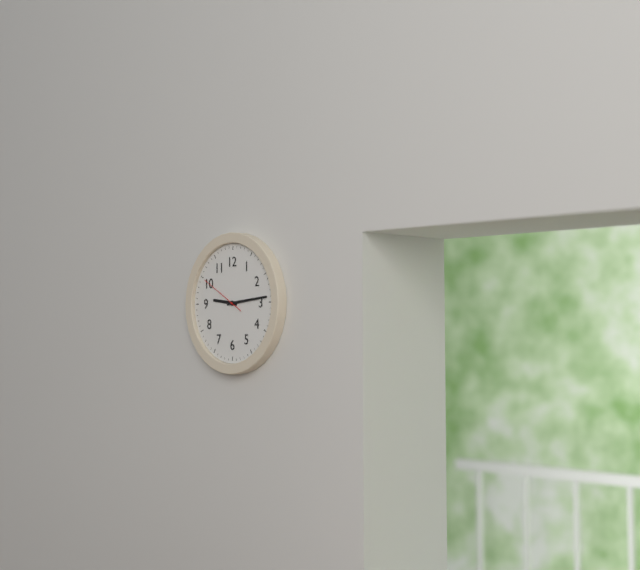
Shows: h=9 m=14
